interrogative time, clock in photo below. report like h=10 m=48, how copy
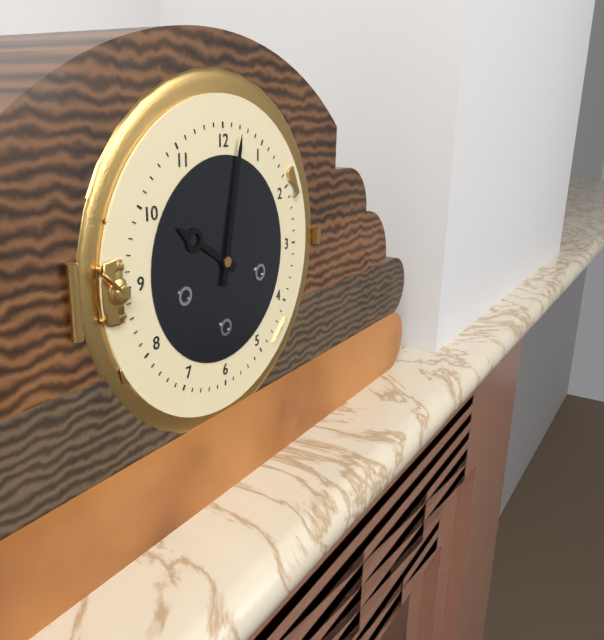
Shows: h=10 m=2
